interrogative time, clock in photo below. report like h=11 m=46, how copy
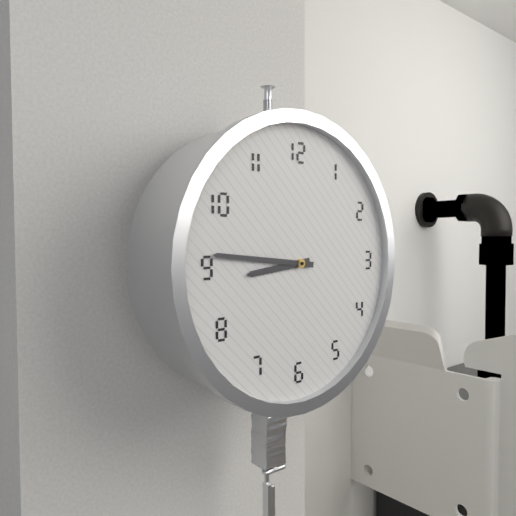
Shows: h=8 m=46
